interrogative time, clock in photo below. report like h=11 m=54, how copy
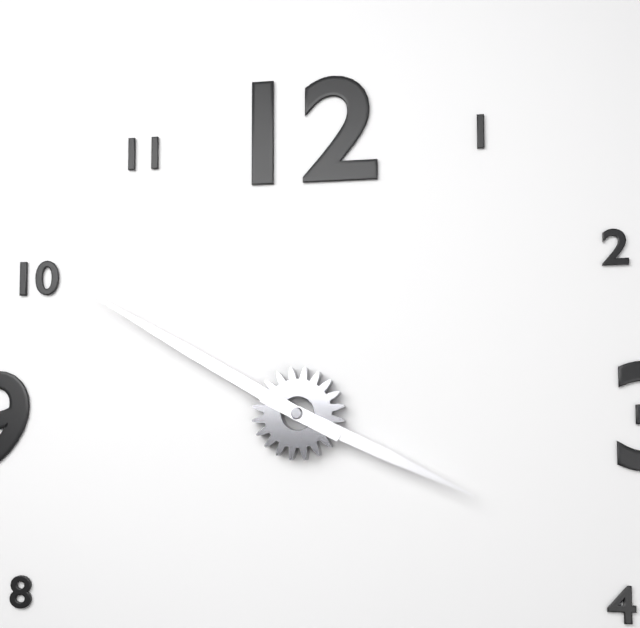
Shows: h=3 m=50
